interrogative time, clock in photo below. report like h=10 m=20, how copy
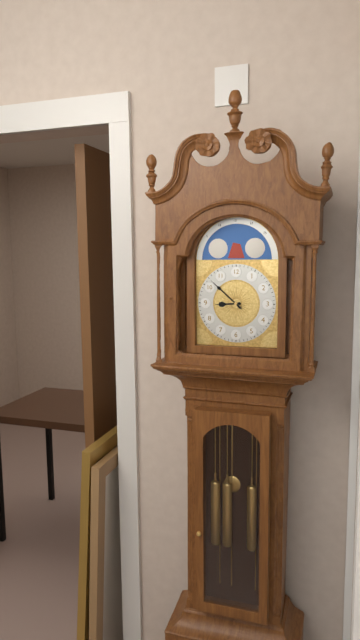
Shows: h=8 m=52
